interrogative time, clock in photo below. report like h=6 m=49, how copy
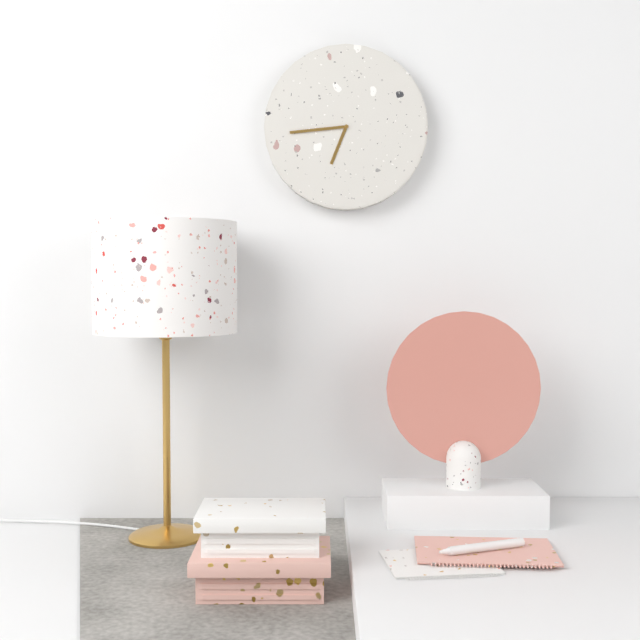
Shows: h=6 m=44
